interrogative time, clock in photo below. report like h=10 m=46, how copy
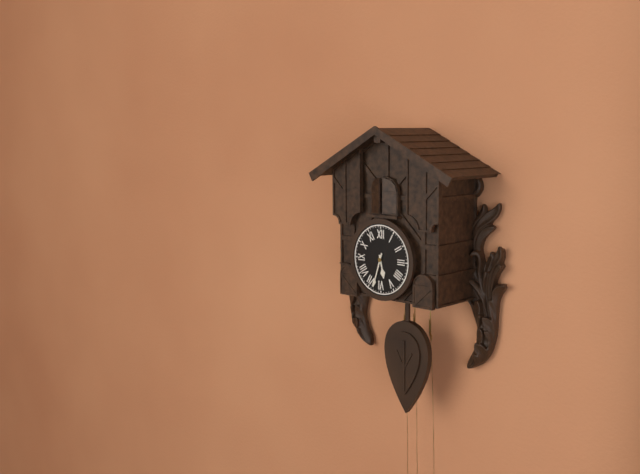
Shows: h=5 m=33
